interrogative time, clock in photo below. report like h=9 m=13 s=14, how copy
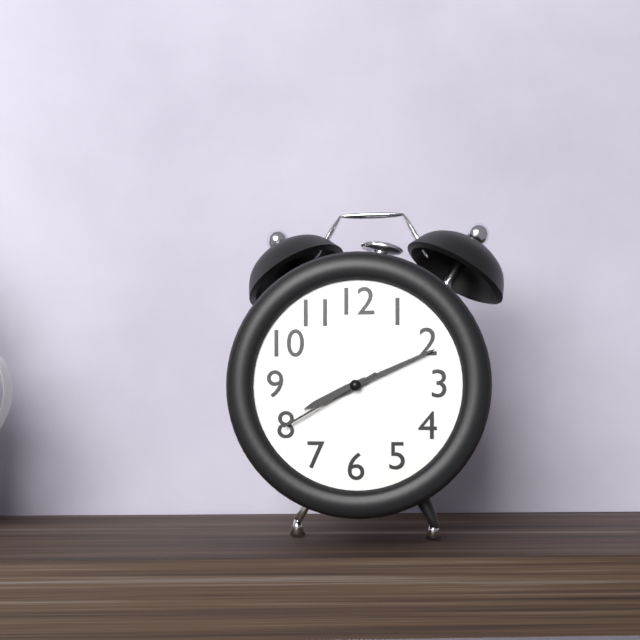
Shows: h=8 m=11 s=40
